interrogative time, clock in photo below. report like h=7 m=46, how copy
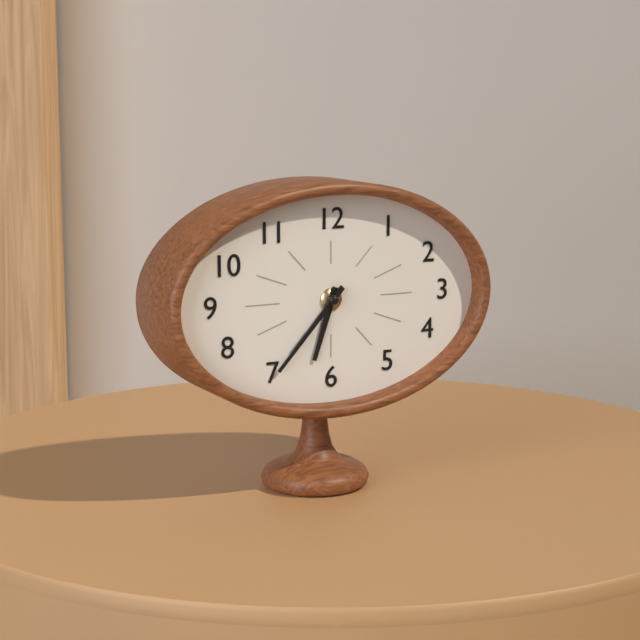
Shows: h=6 m=37
